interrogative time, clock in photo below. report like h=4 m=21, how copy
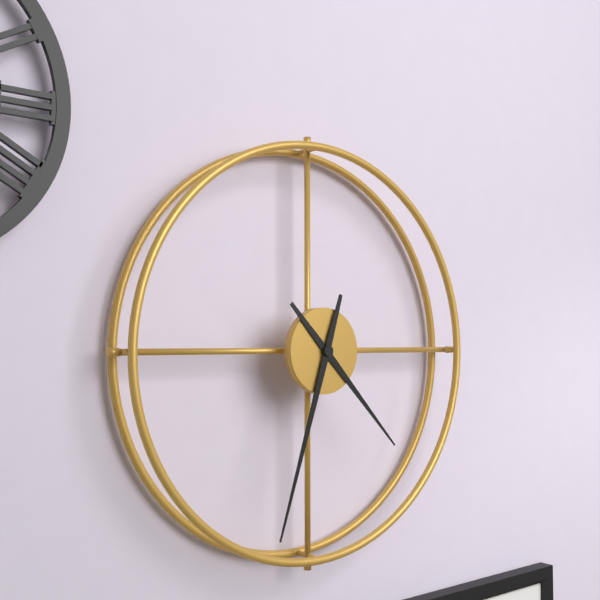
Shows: h=4 m=33
